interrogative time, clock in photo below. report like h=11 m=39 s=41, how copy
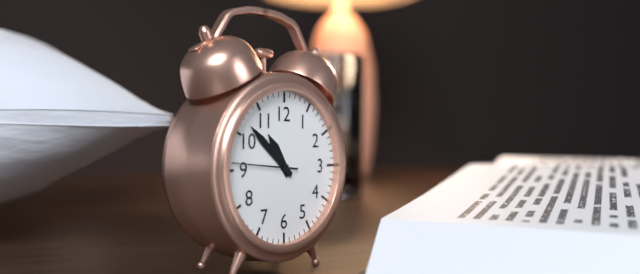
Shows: h=10 m=52 s=46
